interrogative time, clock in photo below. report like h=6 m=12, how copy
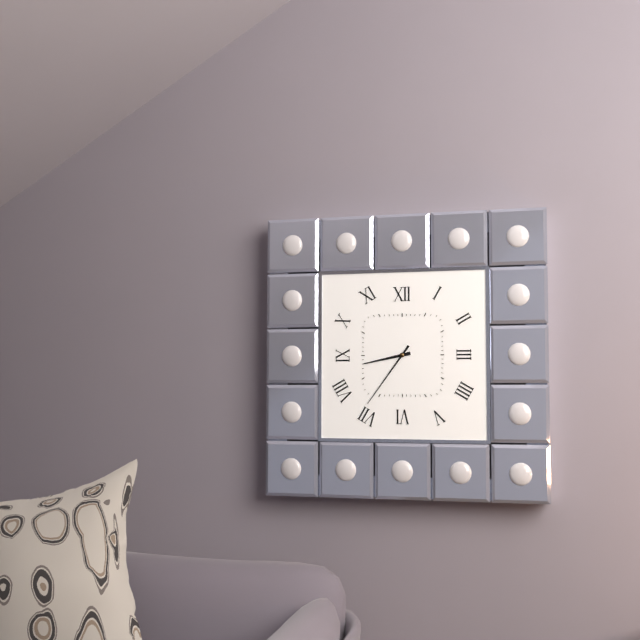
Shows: h=8 m=36
